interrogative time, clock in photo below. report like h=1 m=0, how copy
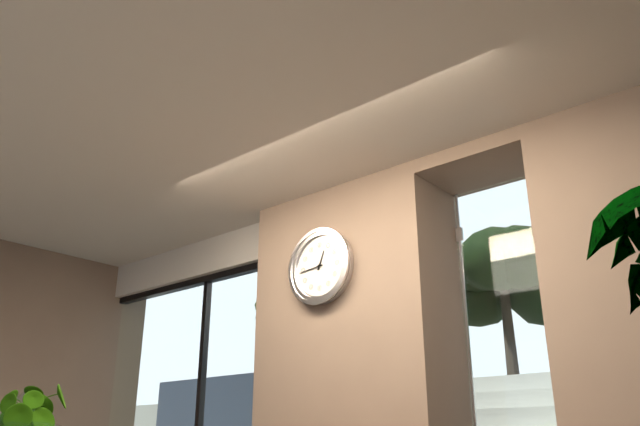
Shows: h=12 m=44
